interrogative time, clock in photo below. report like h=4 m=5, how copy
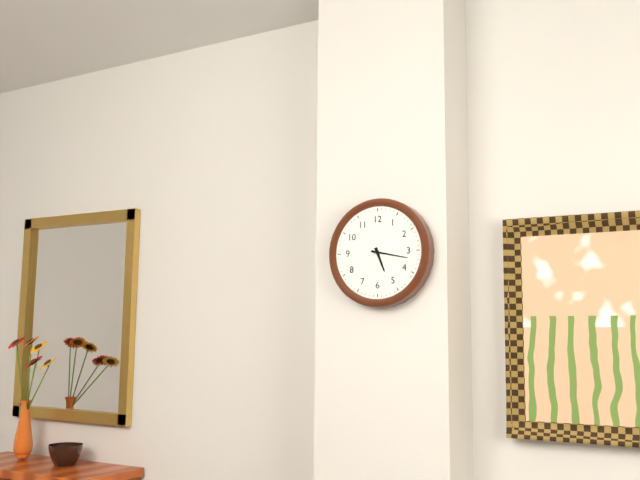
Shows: h=5 m=17
